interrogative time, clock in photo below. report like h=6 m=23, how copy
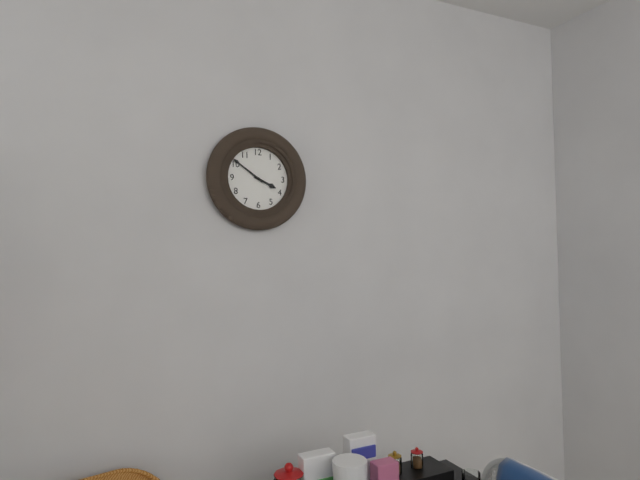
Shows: h=3 m=51
